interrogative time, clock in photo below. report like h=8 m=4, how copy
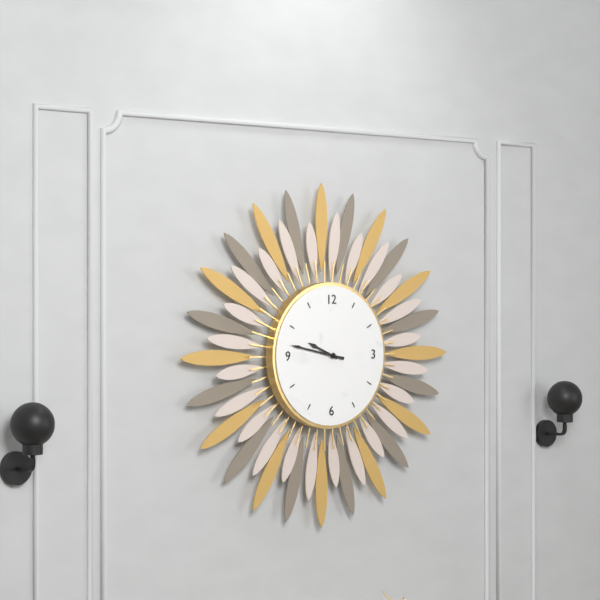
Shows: h=9 m=47
